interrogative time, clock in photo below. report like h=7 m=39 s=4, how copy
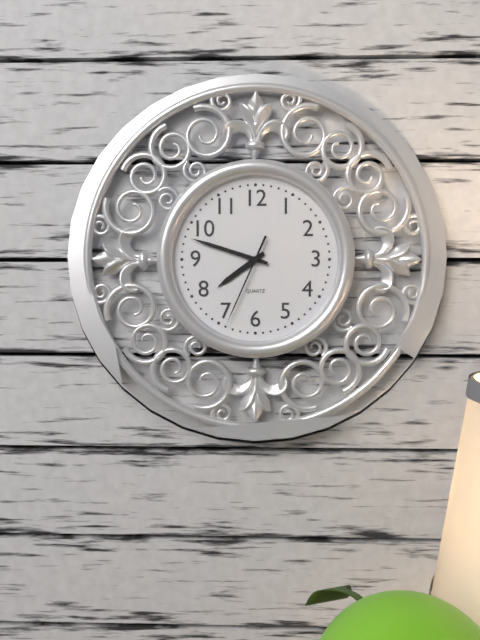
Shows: h=7 m=48 s=34
